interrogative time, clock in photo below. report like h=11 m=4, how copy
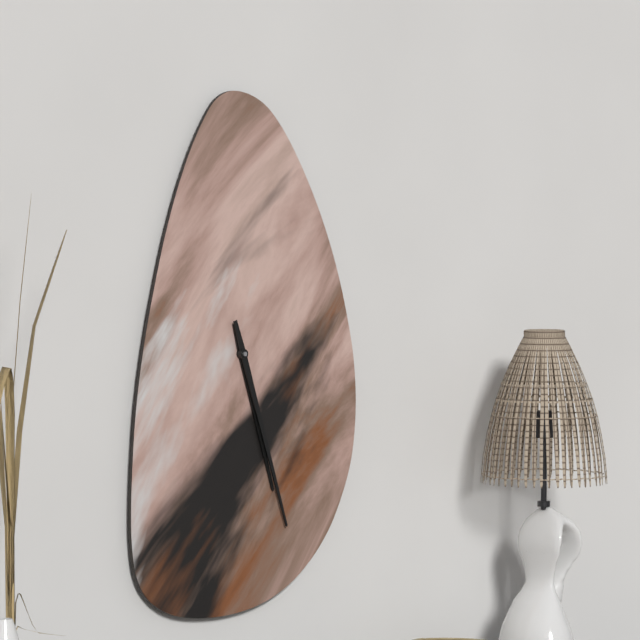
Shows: h=5 m=27
